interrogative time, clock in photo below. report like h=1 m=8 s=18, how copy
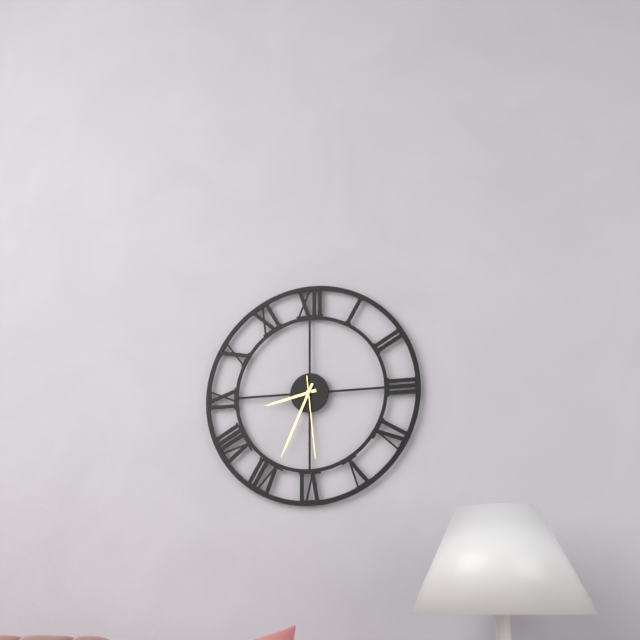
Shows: h=8 m=34 s=29
